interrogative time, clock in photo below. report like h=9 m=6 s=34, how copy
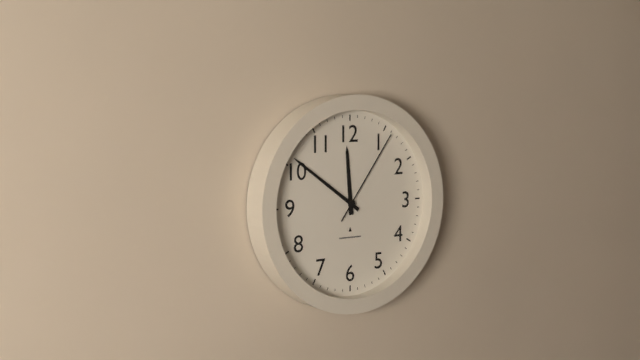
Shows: h=11 m=51 s=6
